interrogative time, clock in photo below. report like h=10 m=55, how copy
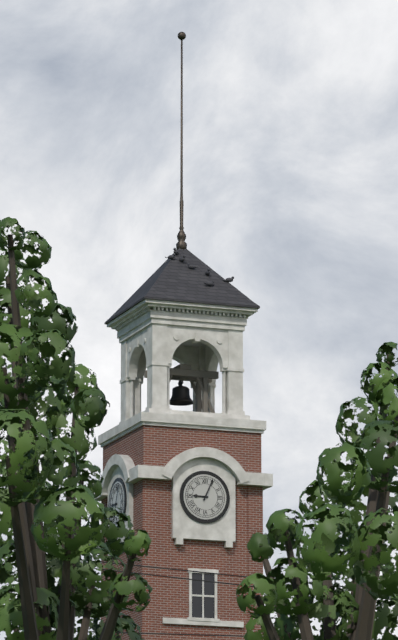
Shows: h=9 m=4
